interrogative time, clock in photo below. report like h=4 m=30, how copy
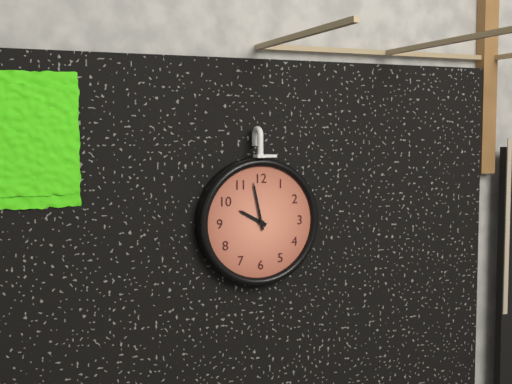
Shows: h=9 m=58
